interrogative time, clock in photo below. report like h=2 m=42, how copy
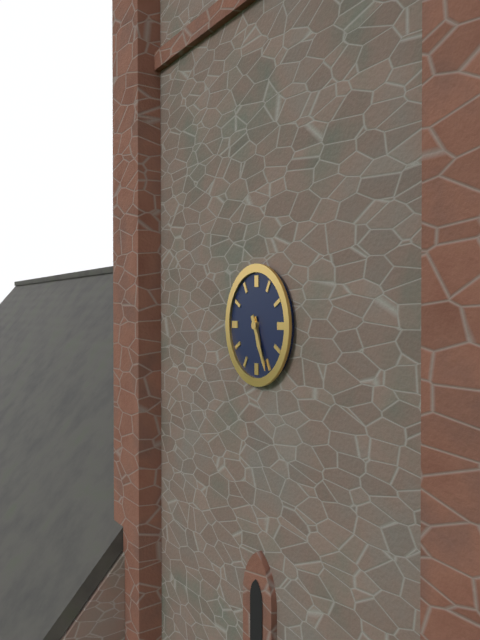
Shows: h=5 m=26
